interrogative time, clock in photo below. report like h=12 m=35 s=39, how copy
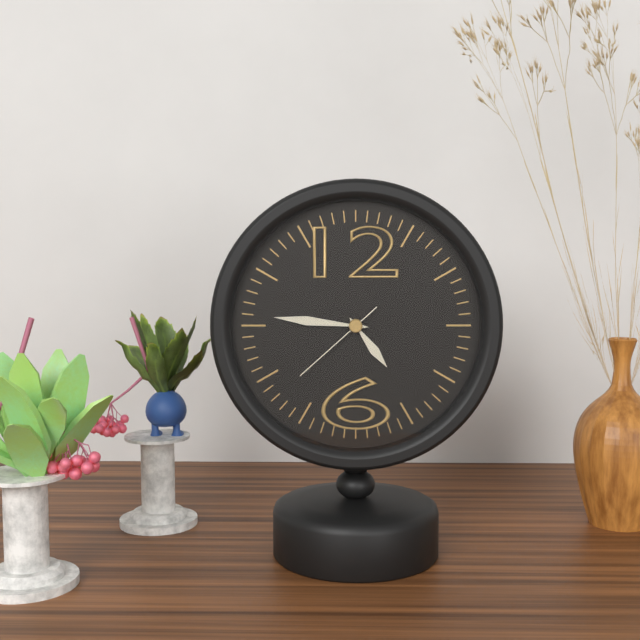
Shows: h=4 m=46 s=38
